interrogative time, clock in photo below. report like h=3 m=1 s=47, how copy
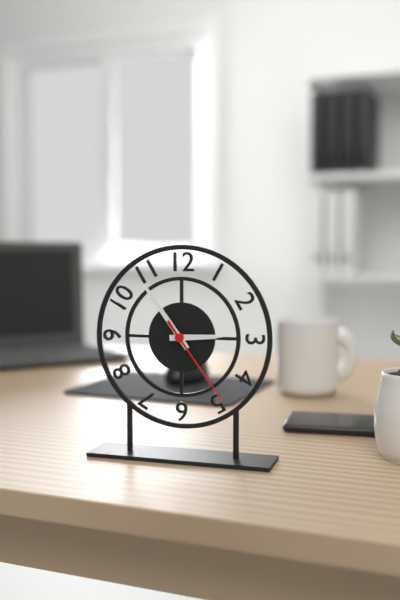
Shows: h=2 m=54 s=24
